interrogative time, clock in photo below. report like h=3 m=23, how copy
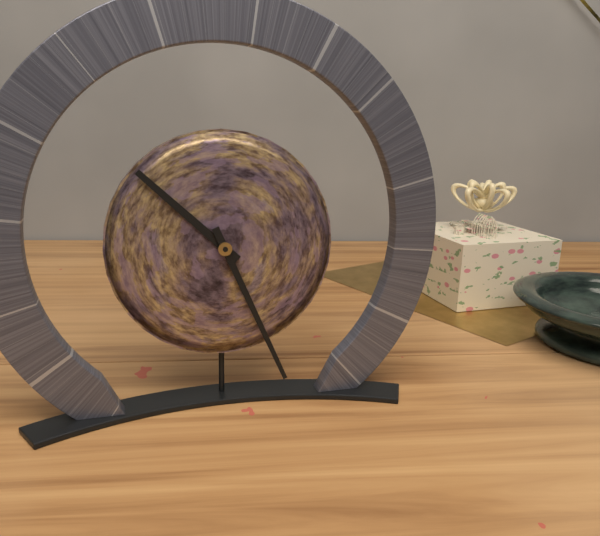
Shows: h=10 m=26
